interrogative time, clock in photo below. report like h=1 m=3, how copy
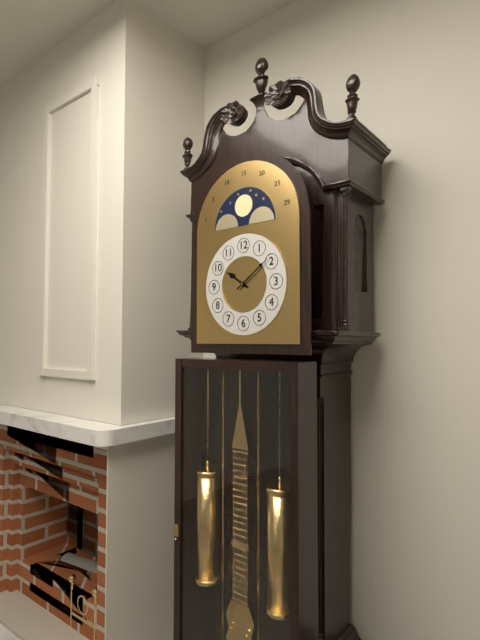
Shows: h=10 m=9
